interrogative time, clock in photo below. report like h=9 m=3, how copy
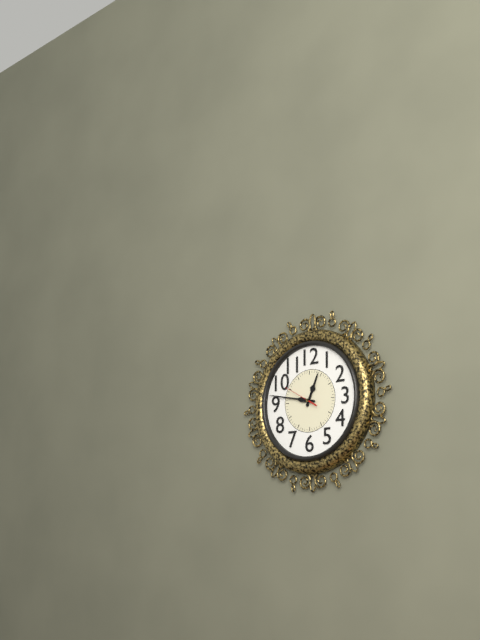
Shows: h=12 m=47
